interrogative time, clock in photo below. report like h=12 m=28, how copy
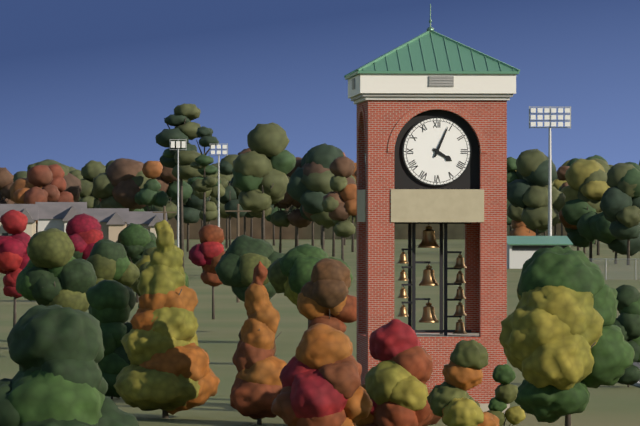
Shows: h=4 m=4
